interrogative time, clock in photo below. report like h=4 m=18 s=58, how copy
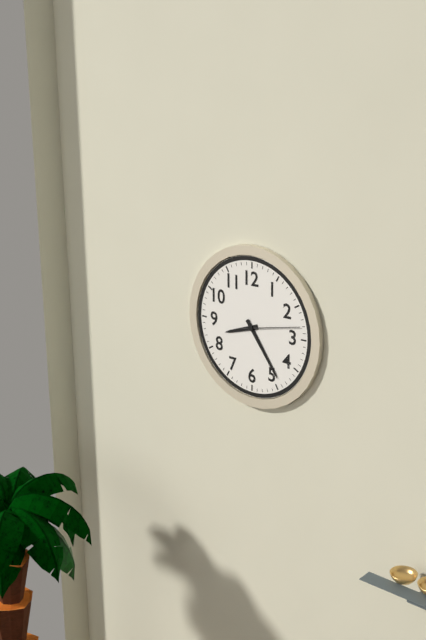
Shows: h=8 m=24 s=13
